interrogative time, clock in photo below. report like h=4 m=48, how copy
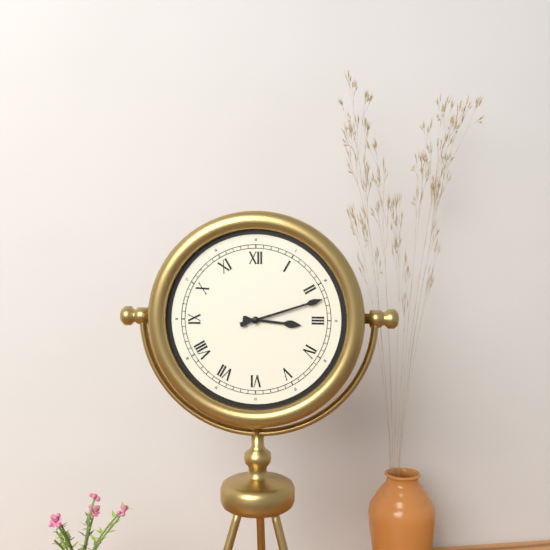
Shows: h=3 m=12
